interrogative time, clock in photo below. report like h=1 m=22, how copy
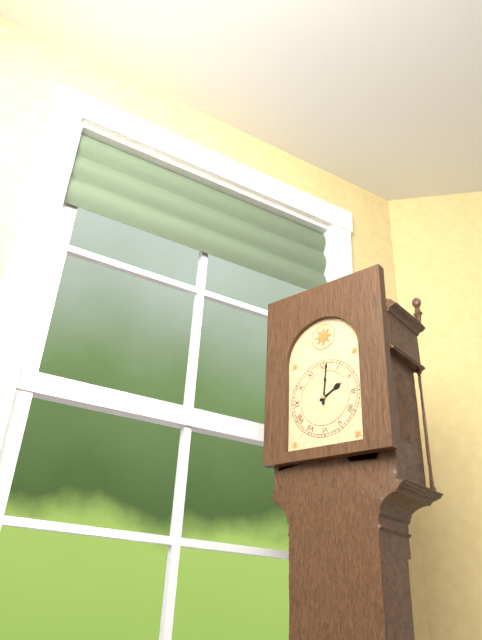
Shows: h=2 m=1
